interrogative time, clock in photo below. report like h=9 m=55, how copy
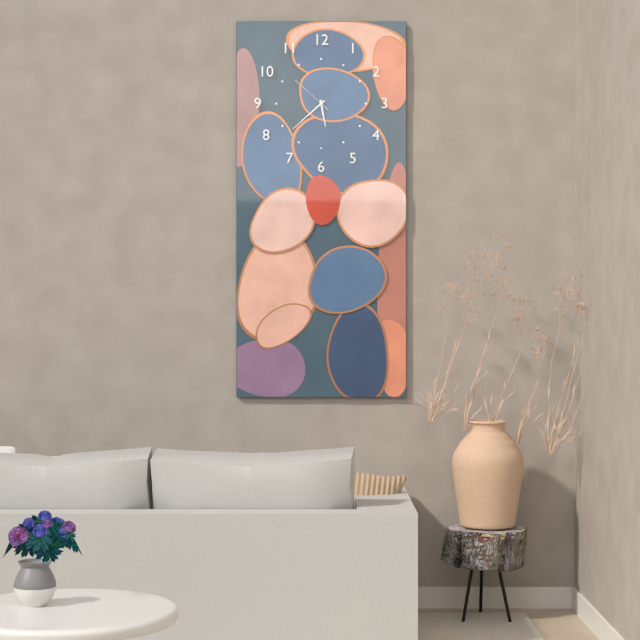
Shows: h=5 m=38
